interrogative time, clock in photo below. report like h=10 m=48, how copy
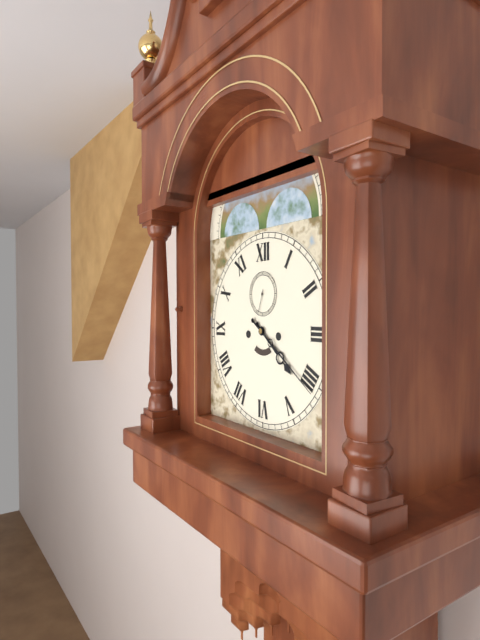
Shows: h=4 m=21
